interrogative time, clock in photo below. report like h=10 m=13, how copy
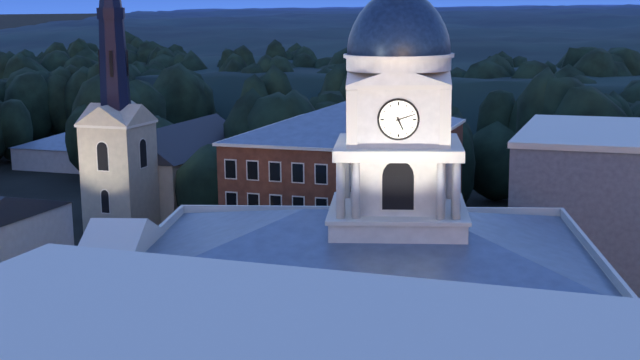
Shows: h=5 m=12
